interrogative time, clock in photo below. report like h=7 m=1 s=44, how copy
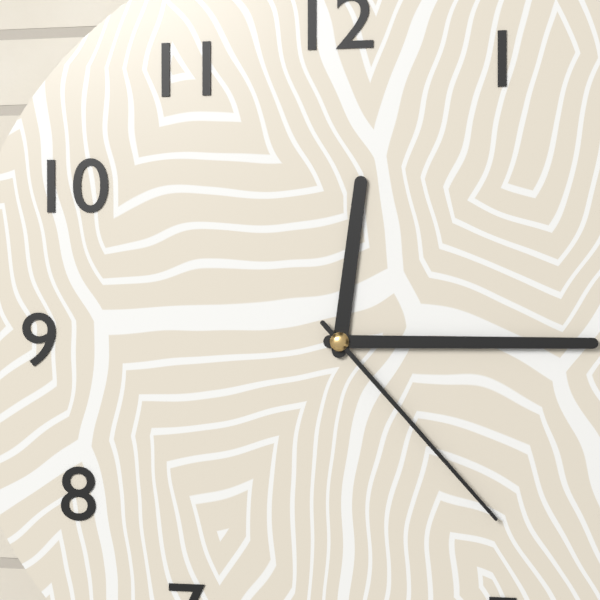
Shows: h=12 m=15 s=23
